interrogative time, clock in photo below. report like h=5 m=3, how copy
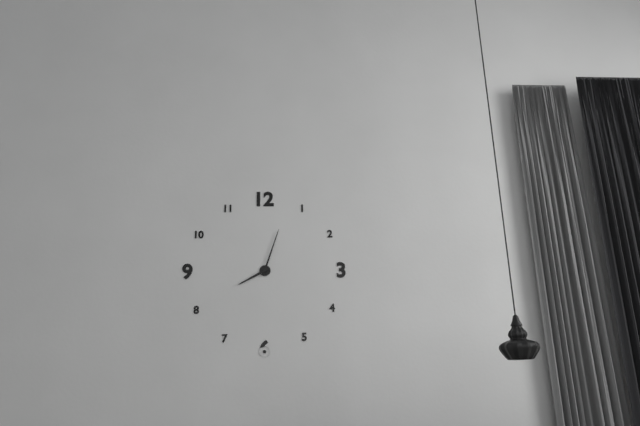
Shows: h=8 m=3
